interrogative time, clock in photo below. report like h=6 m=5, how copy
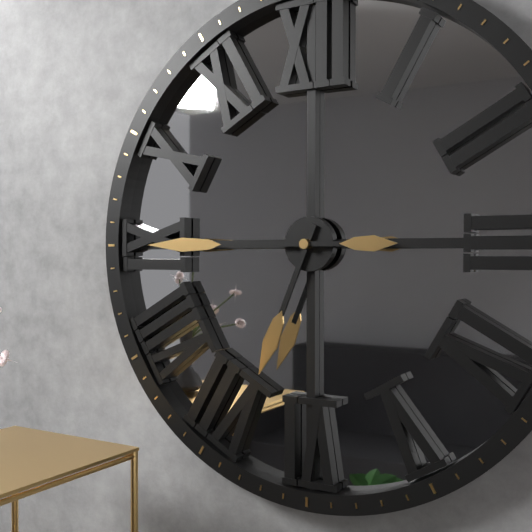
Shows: h=6 m=45
